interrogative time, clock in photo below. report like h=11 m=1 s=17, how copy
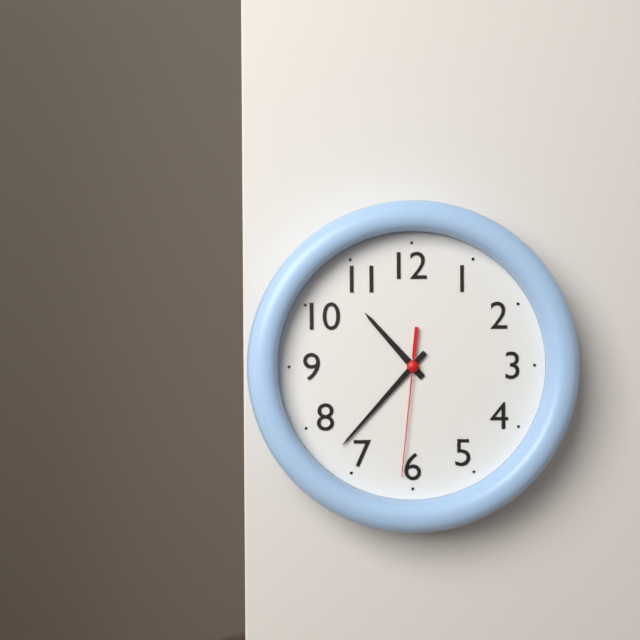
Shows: h=10 m=37 s=31
